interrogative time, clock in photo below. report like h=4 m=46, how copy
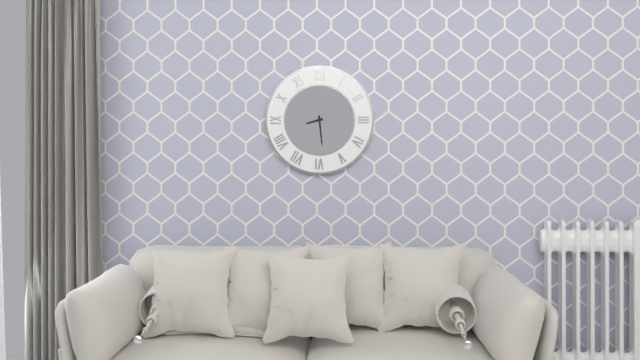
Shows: h=8 m=29
